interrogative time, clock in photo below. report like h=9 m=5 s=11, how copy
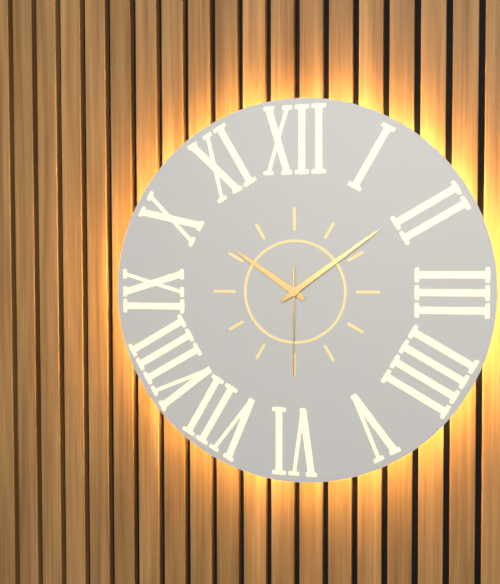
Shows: h=10 m=9 s=30
